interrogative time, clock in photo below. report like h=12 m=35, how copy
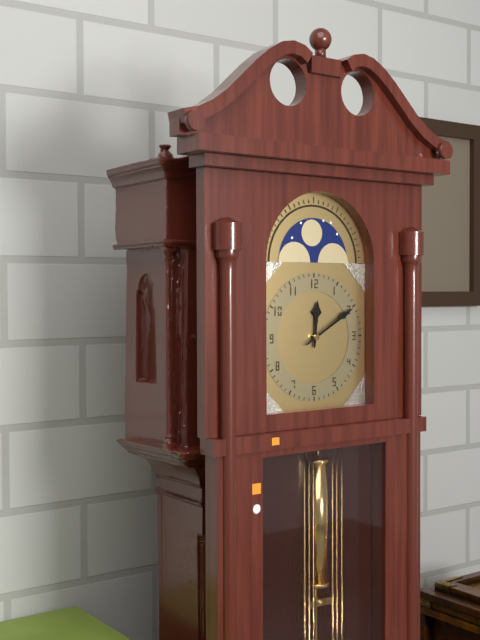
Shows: h=12 m=10
